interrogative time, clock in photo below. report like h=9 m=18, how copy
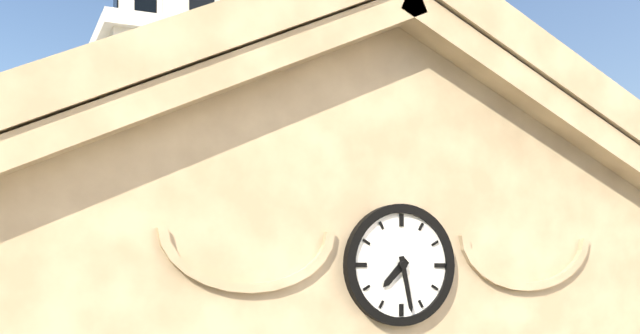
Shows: h=7 m=28
